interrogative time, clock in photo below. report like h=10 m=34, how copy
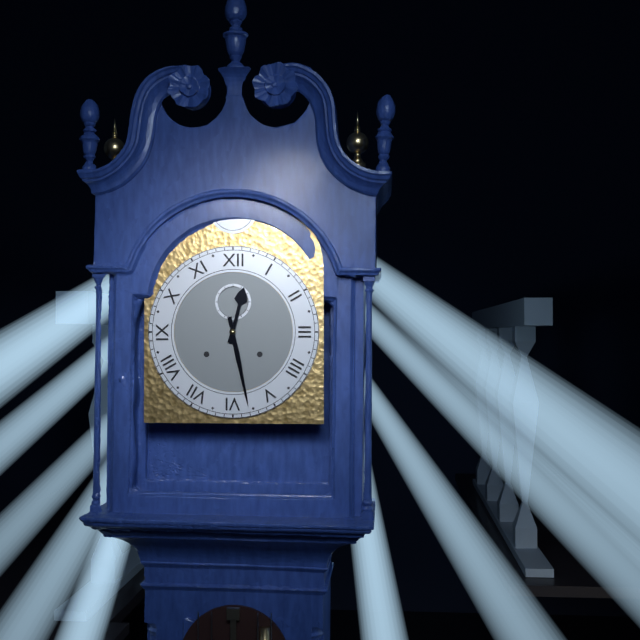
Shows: h=12 m=28
